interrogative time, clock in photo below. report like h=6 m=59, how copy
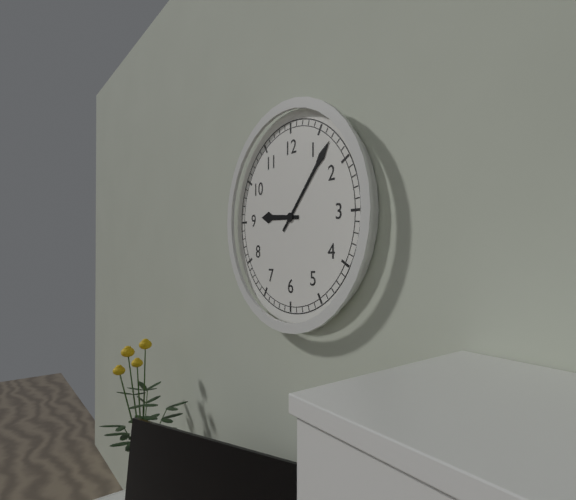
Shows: h=9 m=7
